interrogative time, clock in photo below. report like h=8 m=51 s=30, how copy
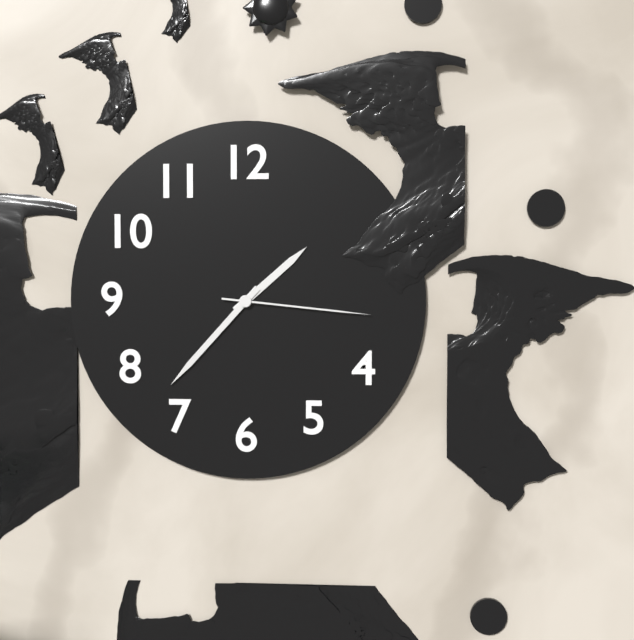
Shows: h=1 m=37 s=16
